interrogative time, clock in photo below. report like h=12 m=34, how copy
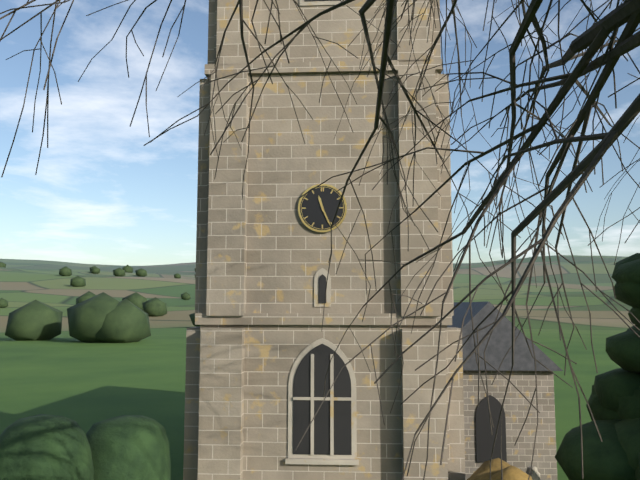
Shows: h=11 m=26
